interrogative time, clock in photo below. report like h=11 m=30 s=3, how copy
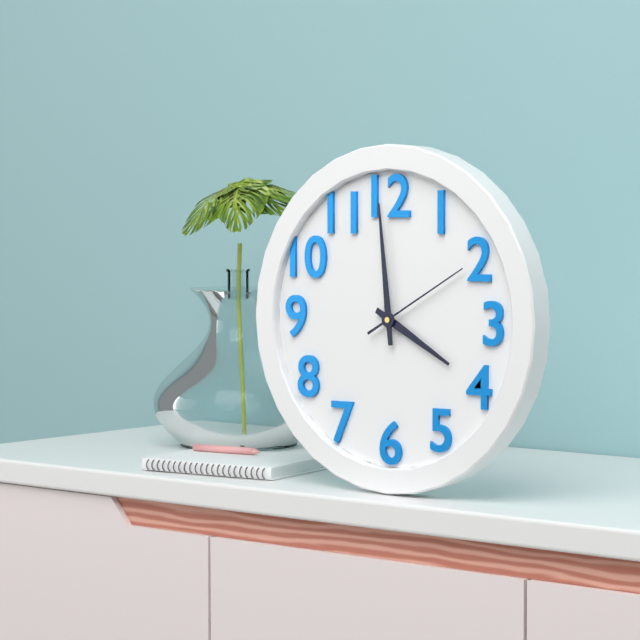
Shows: h=3 m=59 s=10
